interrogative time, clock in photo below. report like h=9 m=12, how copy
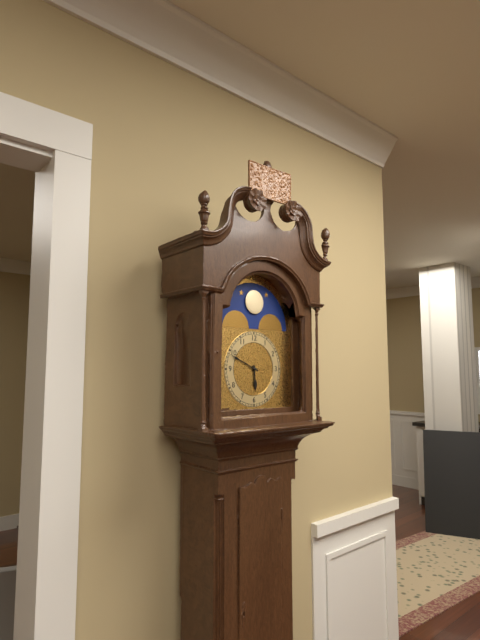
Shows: h=5 m=49
